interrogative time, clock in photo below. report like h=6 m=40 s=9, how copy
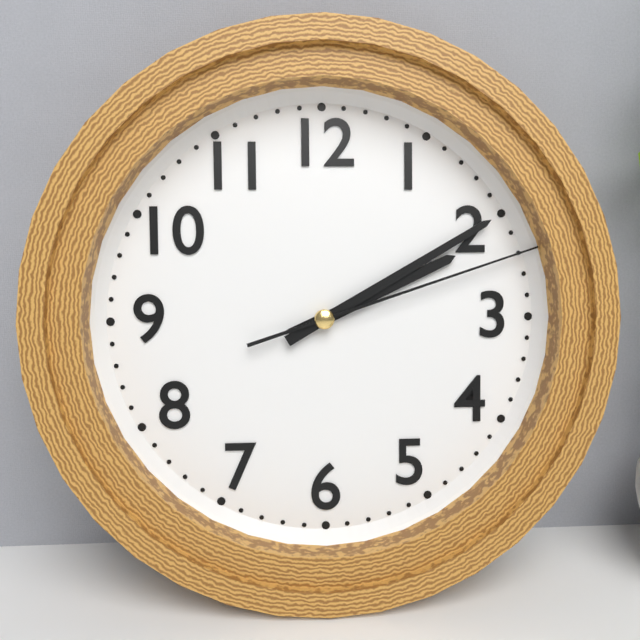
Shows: h=2 m=10 s=12
